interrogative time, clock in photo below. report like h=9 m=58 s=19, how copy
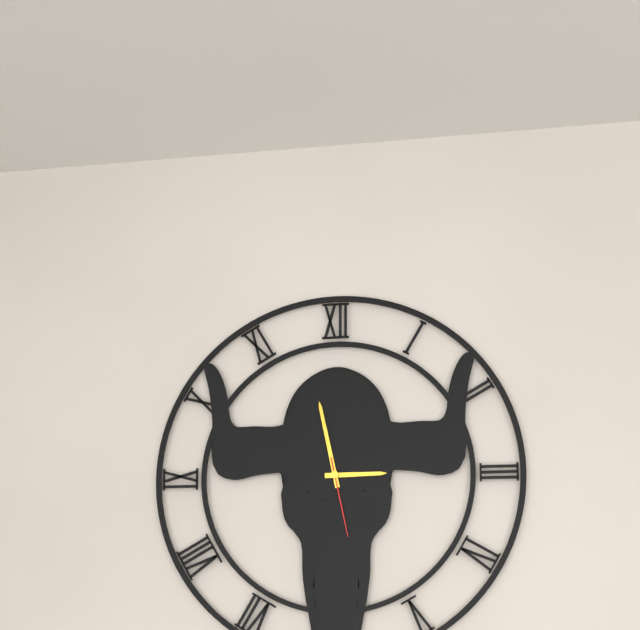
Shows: h=2 m=58 s=28
